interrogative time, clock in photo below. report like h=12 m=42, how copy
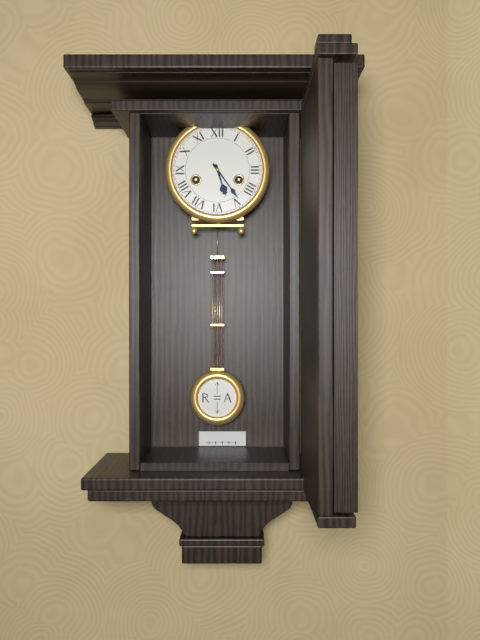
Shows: h=5 m=24
